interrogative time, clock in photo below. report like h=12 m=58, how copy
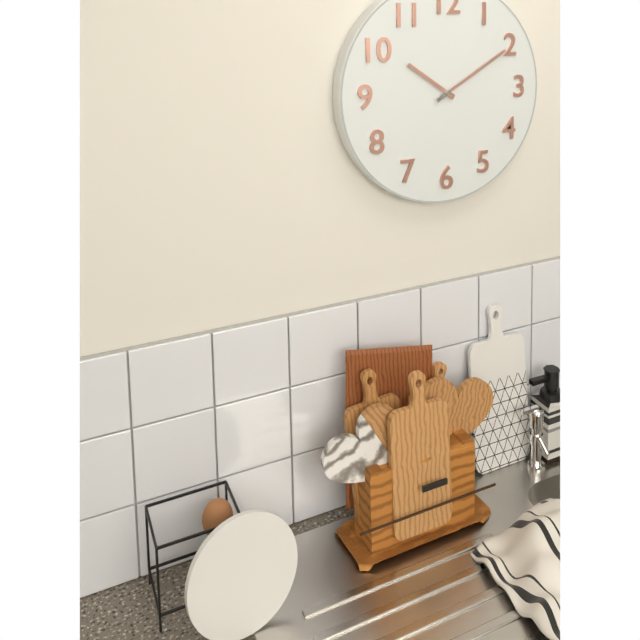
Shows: h=10 m=10
